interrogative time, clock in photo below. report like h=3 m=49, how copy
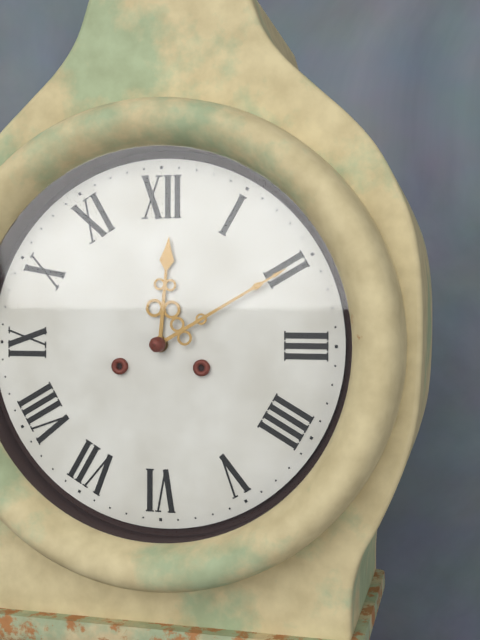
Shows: h=12 m=10
